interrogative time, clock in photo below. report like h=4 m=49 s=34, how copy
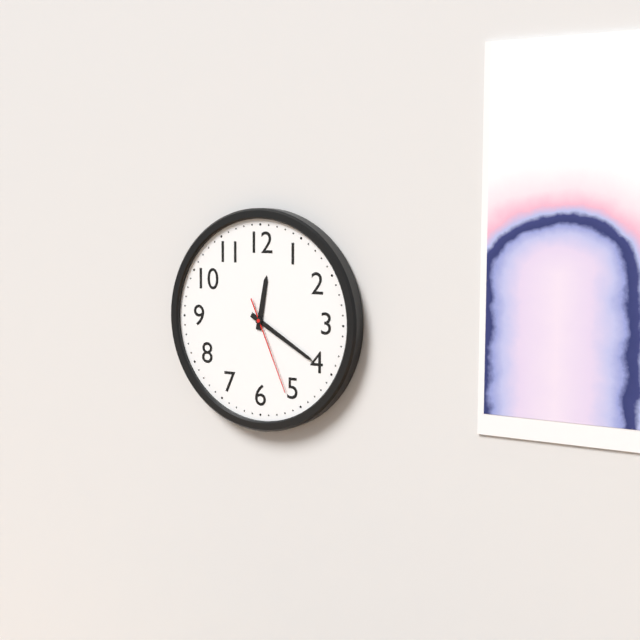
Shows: h=12 m=20 s=26
